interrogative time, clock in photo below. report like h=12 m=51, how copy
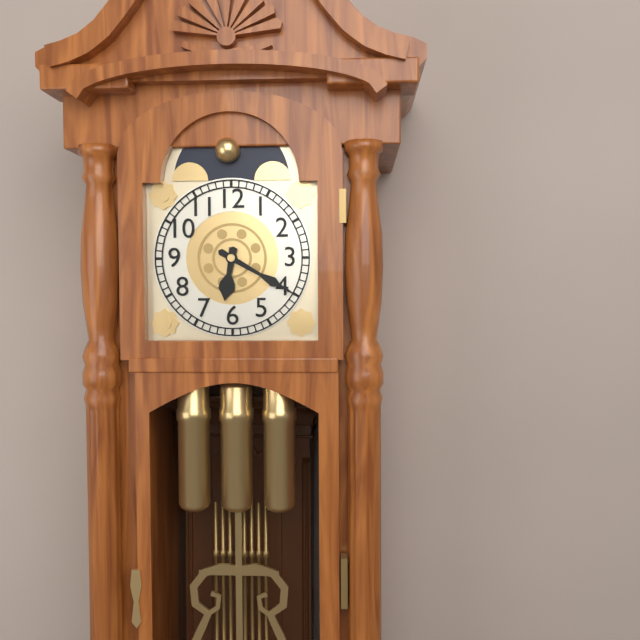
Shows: h=6 m=20
